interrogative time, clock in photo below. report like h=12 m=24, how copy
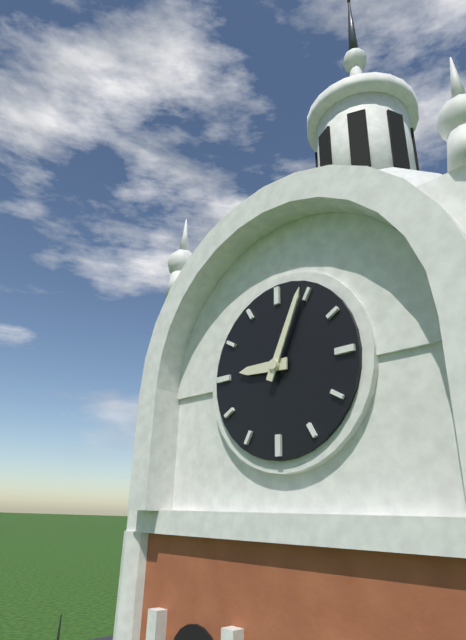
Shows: h=9 m=4
